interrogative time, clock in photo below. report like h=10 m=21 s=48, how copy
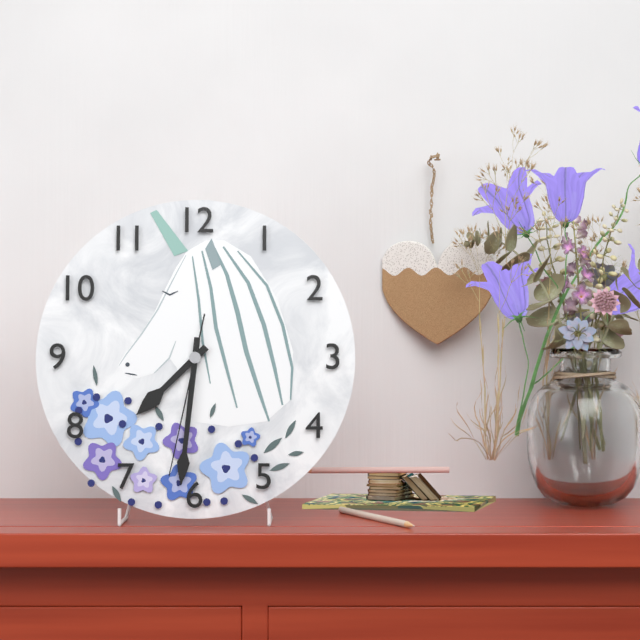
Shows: h=7 m=31 s=32
